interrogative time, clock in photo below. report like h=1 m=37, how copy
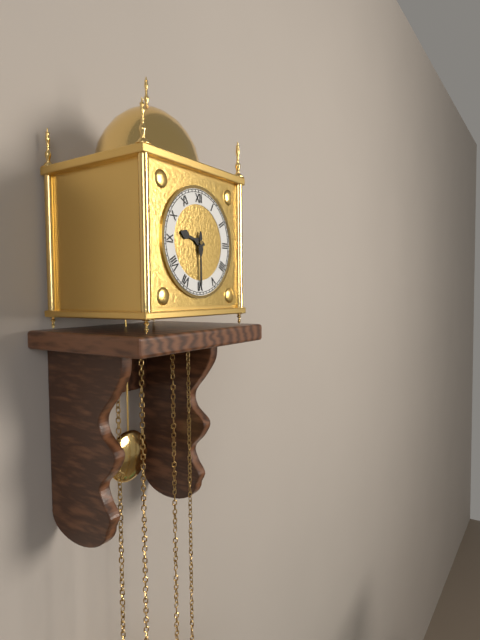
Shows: h=9 m=30
